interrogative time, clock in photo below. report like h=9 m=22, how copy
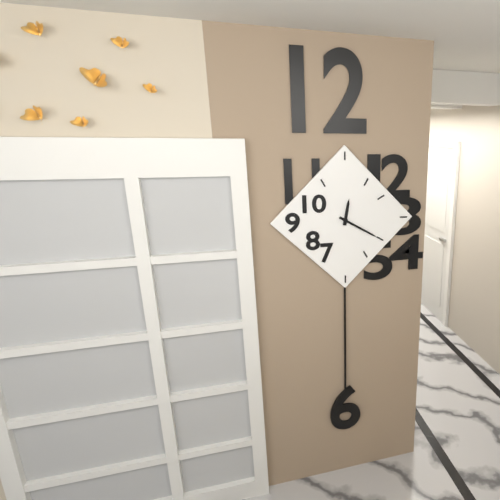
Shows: h=12 m=20
